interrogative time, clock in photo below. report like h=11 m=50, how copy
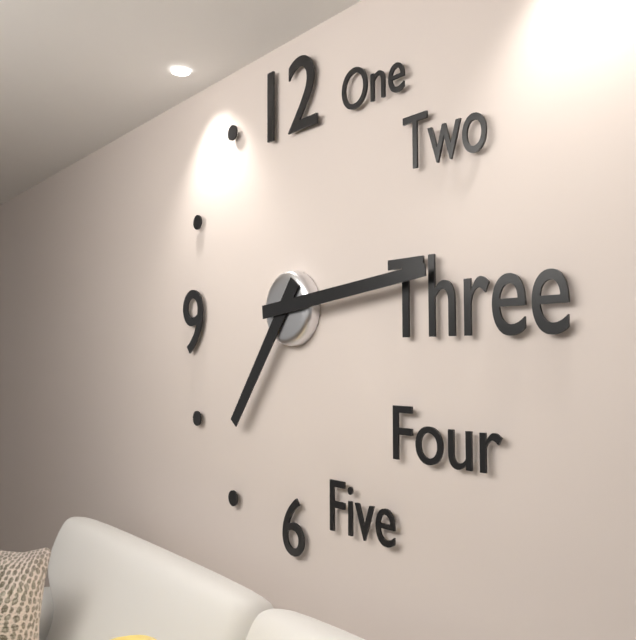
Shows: h=7 m=14
